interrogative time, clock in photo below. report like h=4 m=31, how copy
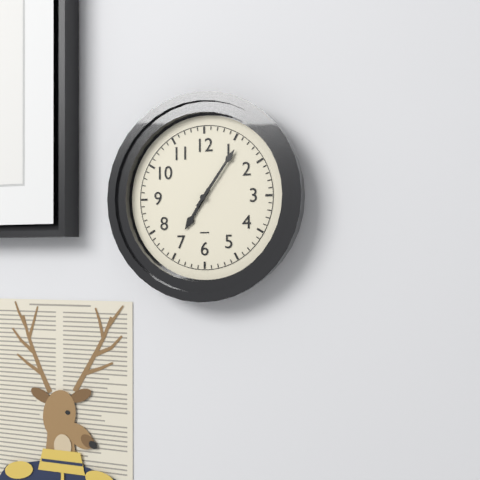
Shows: h=7 m=6
